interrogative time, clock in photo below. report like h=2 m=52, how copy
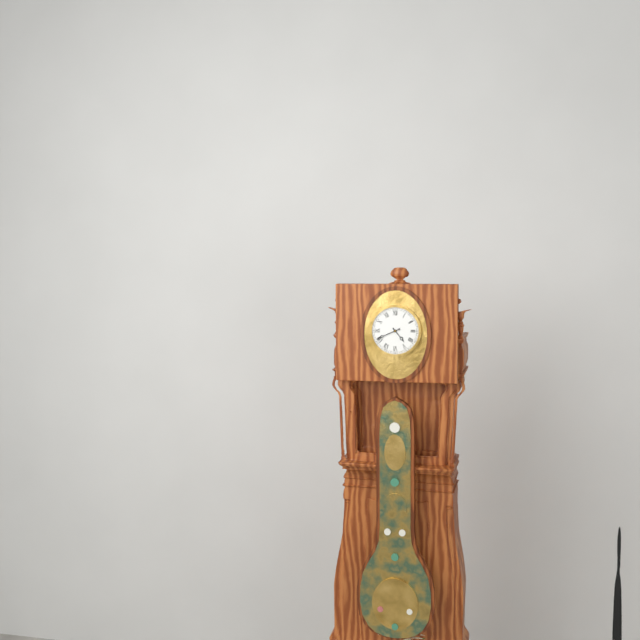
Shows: h=4 m=41
